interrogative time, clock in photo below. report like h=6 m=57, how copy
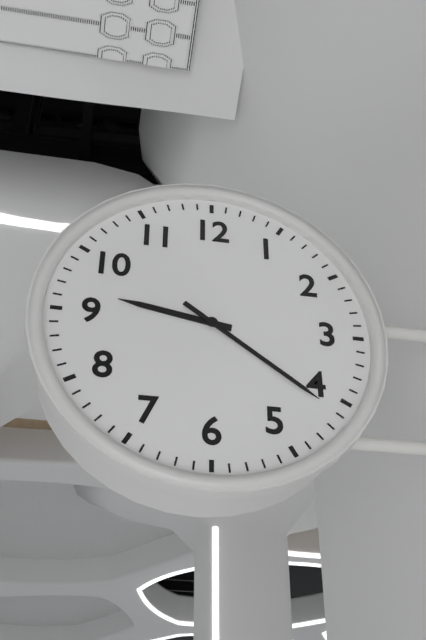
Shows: h=9 m=21
